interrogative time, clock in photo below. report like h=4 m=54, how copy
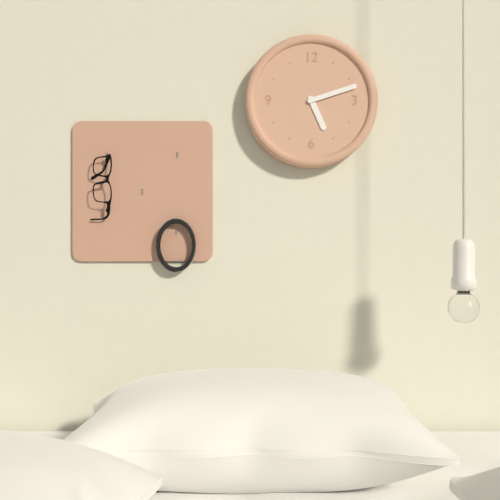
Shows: h=5 m=12
